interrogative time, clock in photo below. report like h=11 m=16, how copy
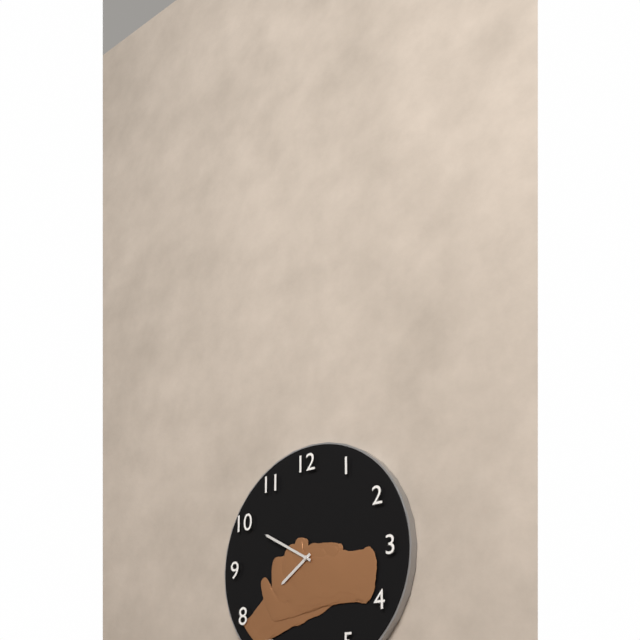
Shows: h=7 m=50
